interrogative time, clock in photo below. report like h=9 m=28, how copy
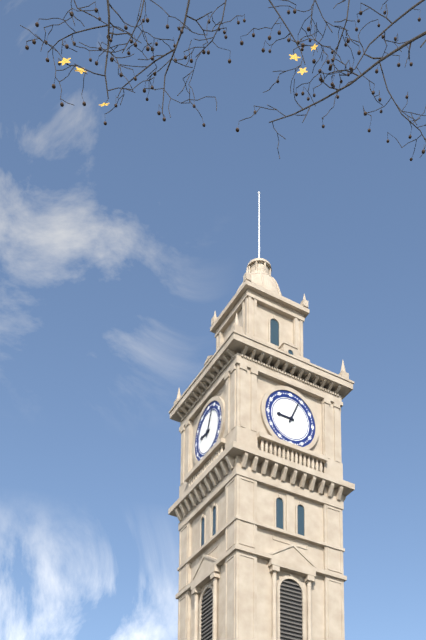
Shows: h=9 m=4
